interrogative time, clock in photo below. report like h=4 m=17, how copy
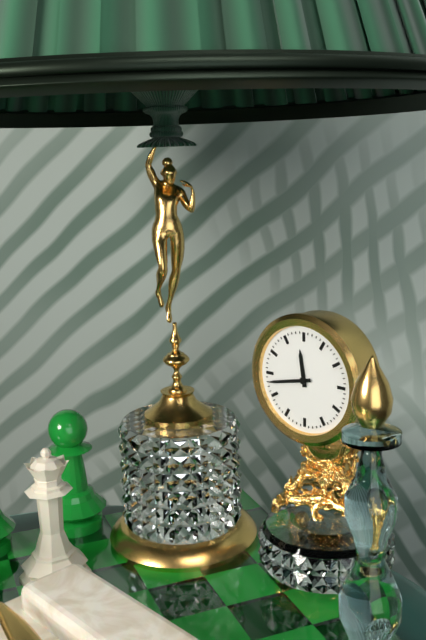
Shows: h=11 m=43
